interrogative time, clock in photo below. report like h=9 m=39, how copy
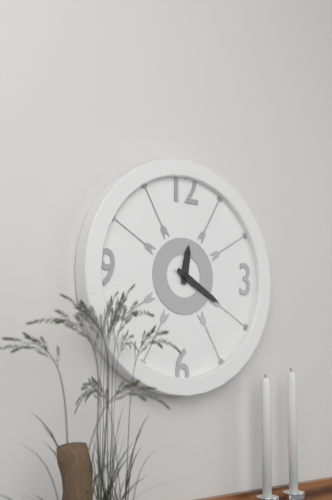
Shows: h=12 m=20
